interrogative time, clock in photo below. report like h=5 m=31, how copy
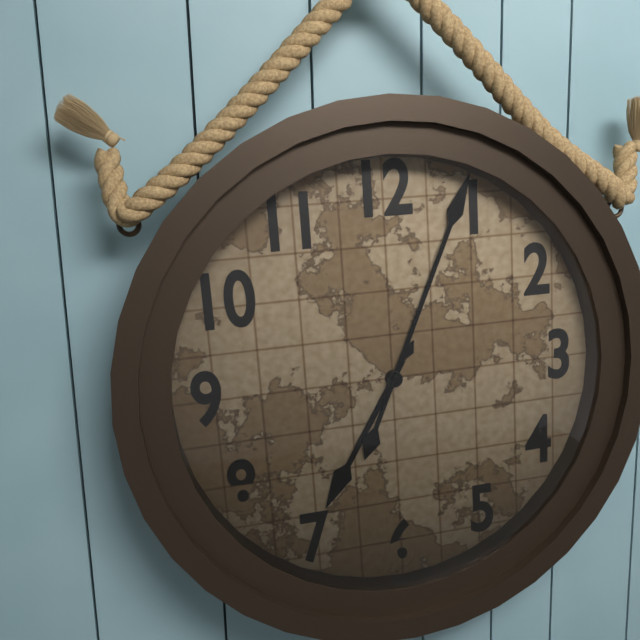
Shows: h=7 m=4
